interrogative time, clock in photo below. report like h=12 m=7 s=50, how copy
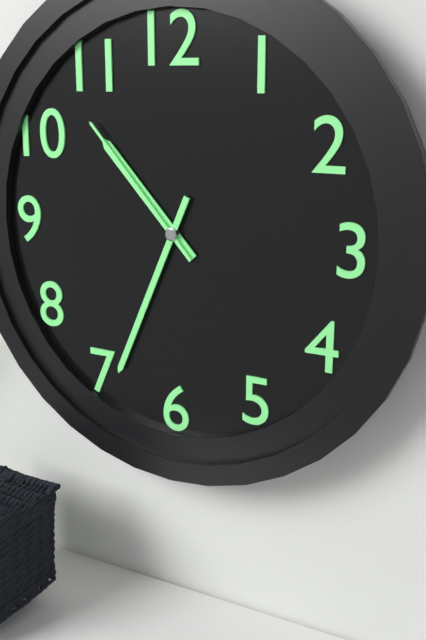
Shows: h=10 m=34 s=53
